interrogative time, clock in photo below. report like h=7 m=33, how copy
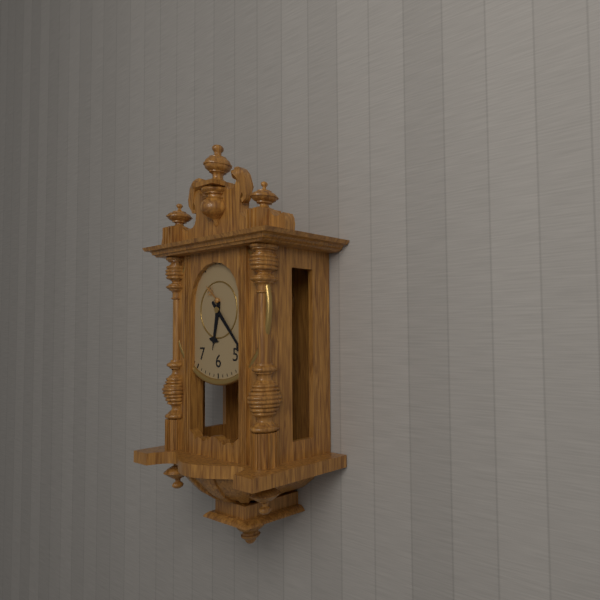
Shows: h=6 m=23
